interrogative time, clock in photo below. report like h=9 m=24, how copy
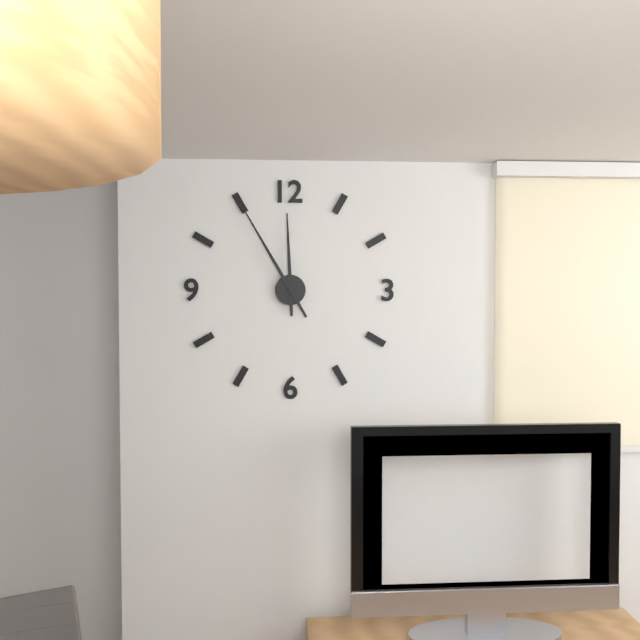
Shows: h=11 m=55
